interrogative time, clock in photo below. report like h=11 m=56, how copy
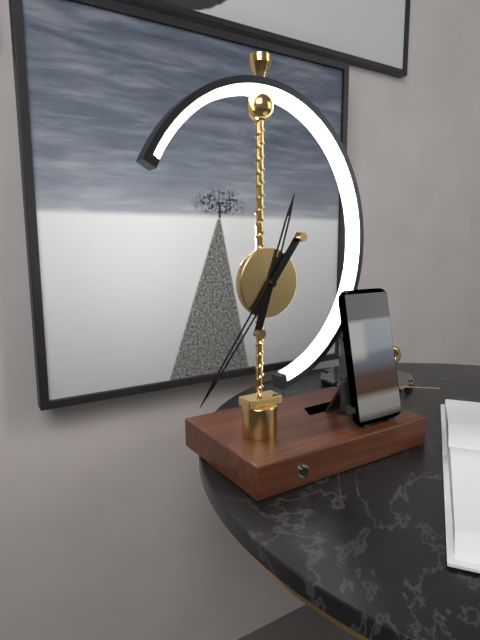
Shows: h=12 m=36
